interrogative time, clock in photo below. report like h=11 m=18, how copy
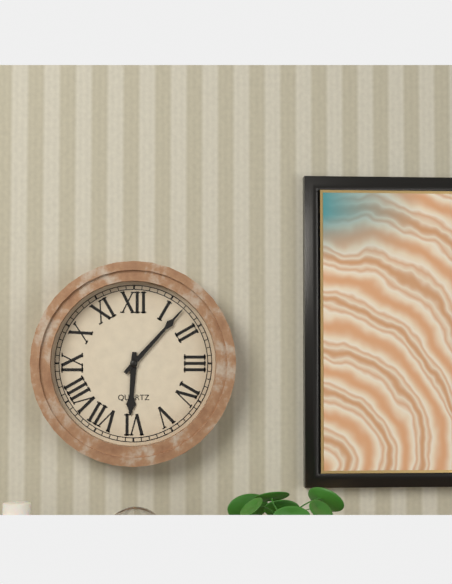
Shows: h=6 m=7
